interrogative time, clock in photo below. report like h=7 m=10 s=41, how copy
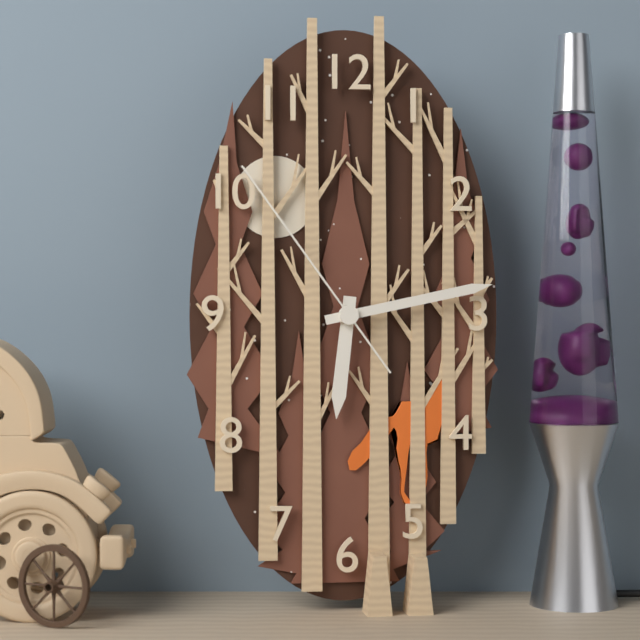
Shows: h=6 m=13 s=54
